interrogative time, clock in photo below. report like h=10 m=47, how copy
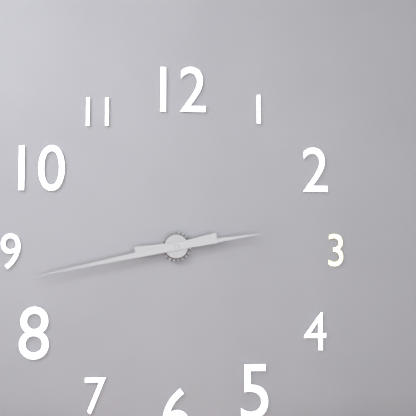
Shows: h=2 m=43
